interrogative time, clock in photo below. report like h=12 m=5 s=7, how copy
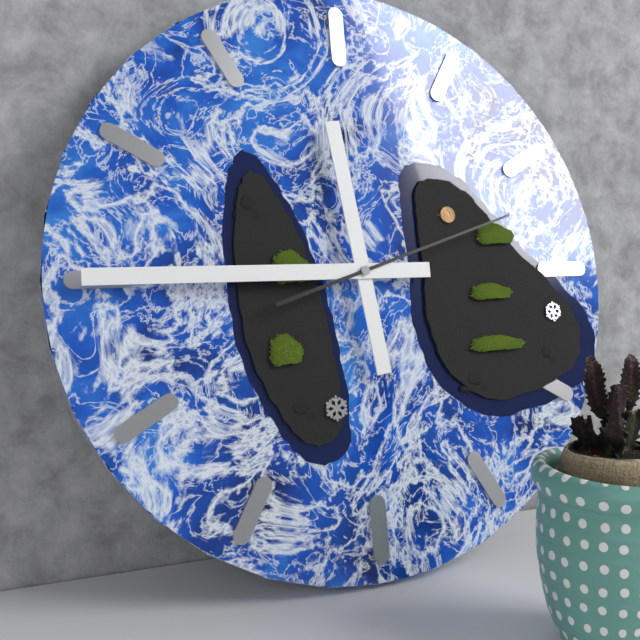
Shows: h=11 m=45 s=12
